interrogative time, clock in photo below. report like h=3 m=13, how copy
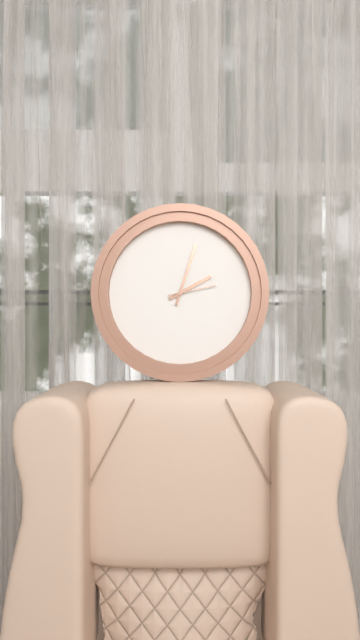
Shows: h=2 m=3
